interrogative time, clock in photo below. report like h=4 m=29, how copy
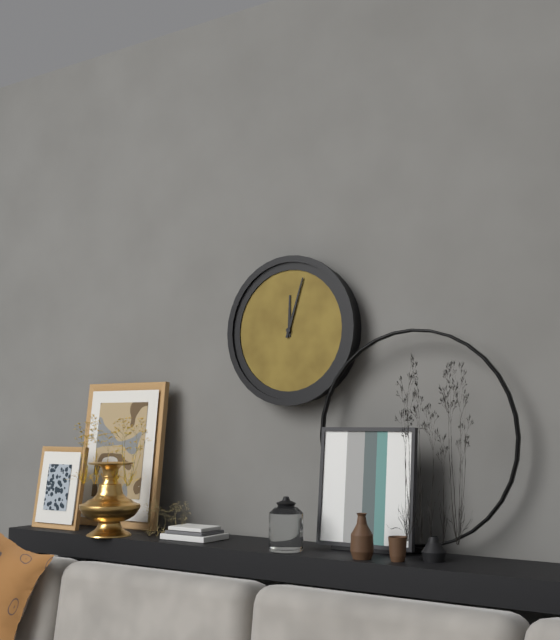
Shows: h=12 m=3
